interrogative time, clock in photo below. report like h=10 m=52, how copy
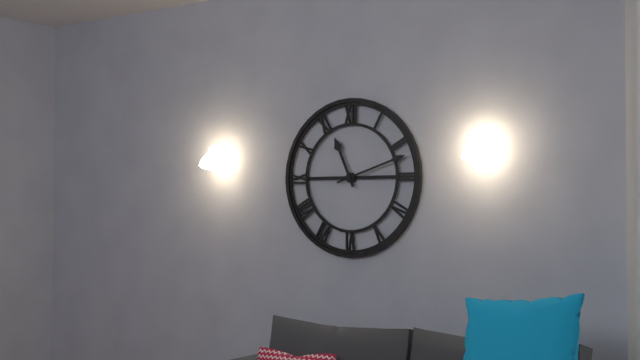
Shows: h=11 m=12
